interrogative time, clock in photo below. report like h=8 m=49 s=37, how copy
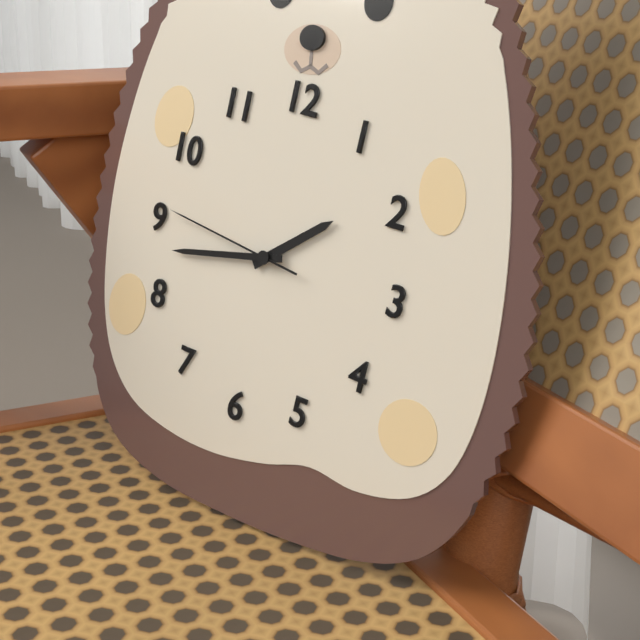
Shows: h=1 m=43 s=46
